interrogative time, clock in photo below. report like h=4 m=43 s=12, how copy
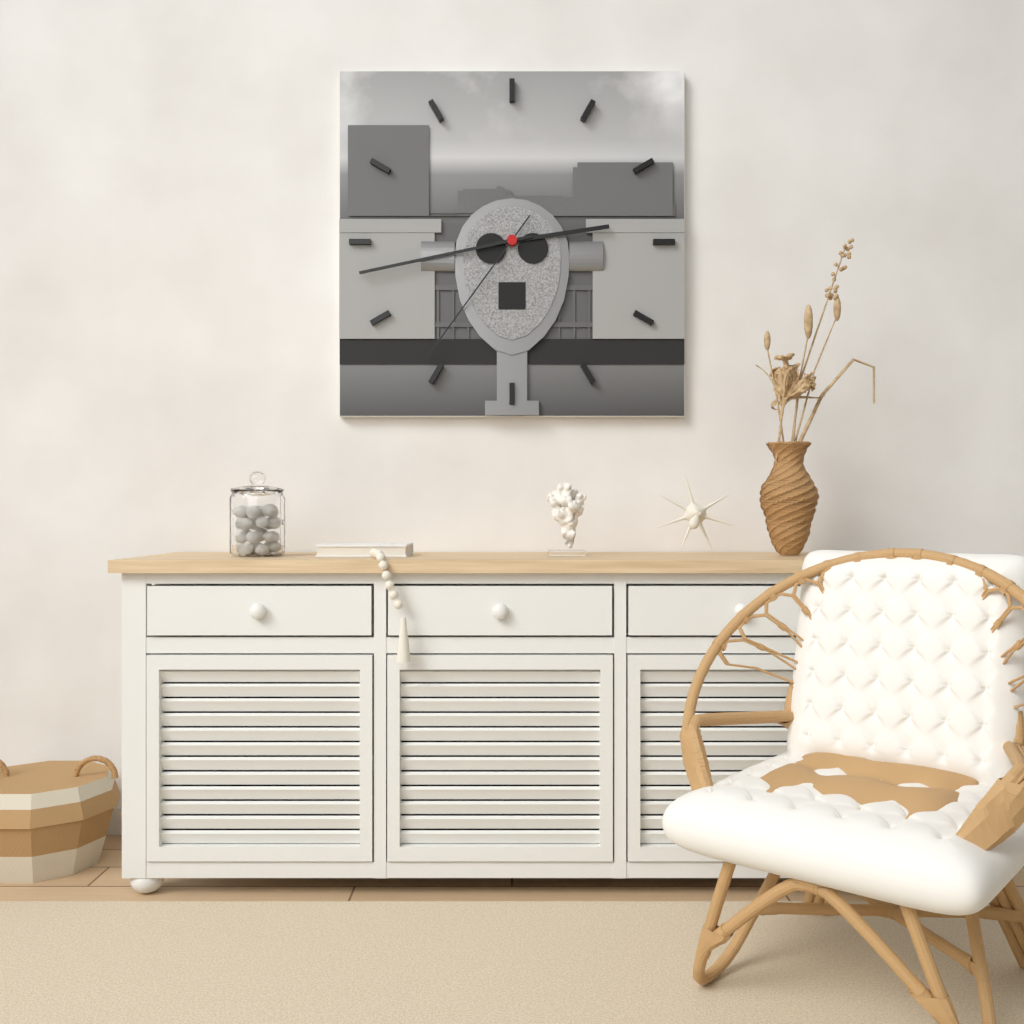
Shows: h=2 m=43 s=36
